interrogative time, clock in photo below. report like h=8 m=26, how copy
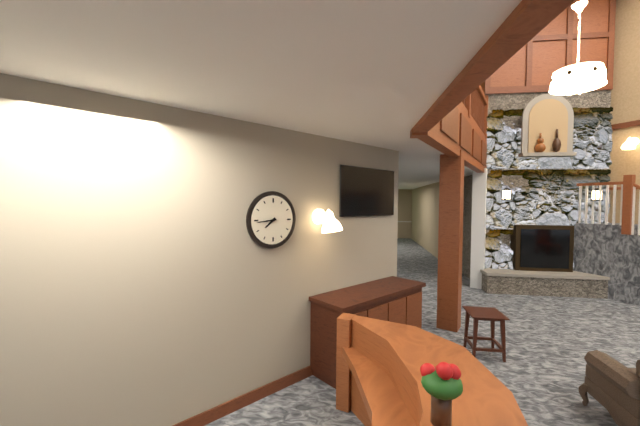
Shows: h=7 m=44
